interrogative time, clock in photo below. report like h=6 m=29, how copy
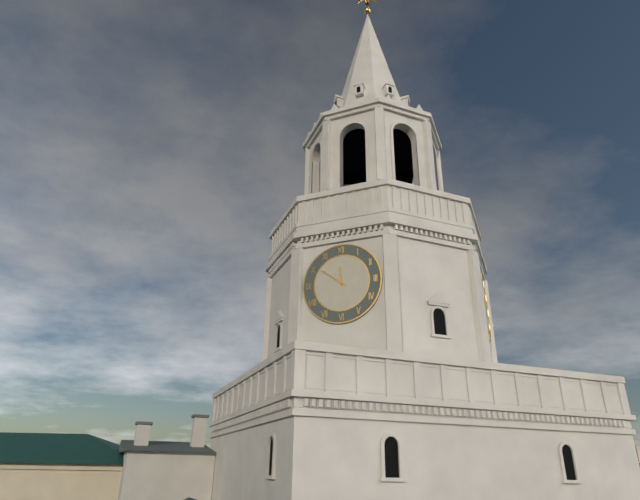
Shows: h=11 m=51
